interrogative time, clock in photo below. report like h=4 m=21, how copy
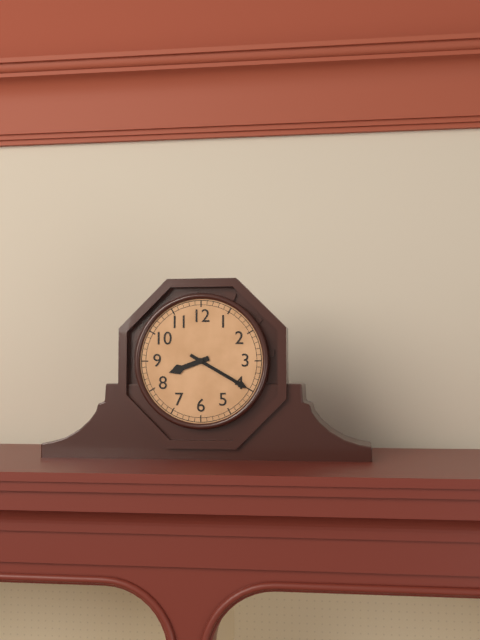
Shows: h=8 m=20
